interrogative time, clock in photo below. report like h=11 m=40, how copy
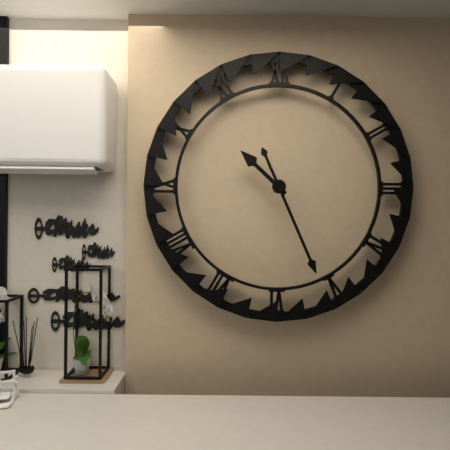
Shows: h=10 m=26
